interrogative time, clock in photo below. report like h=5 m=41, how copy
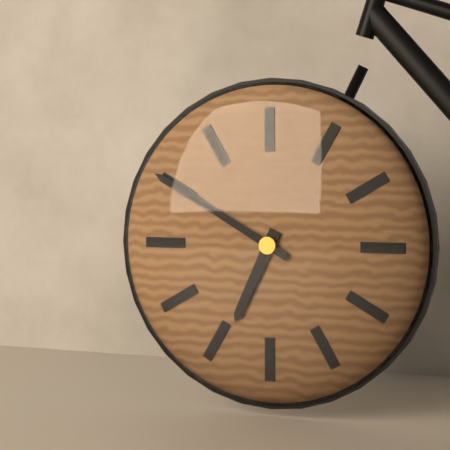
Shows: h=6 m=50
